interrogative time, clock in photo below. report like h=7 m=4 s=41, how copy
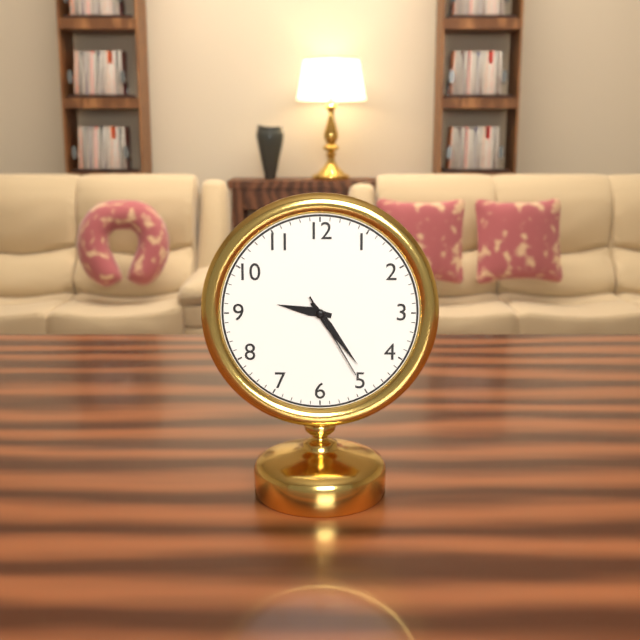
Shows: h=9 m=24 s=25
